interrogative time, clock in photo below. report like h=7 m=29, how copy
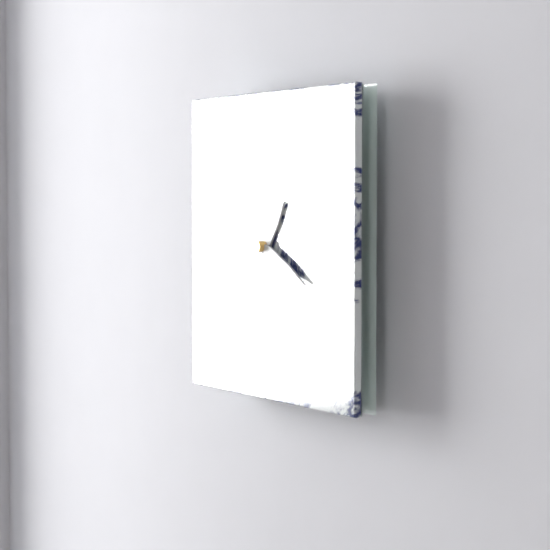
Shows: h=1 m=19
